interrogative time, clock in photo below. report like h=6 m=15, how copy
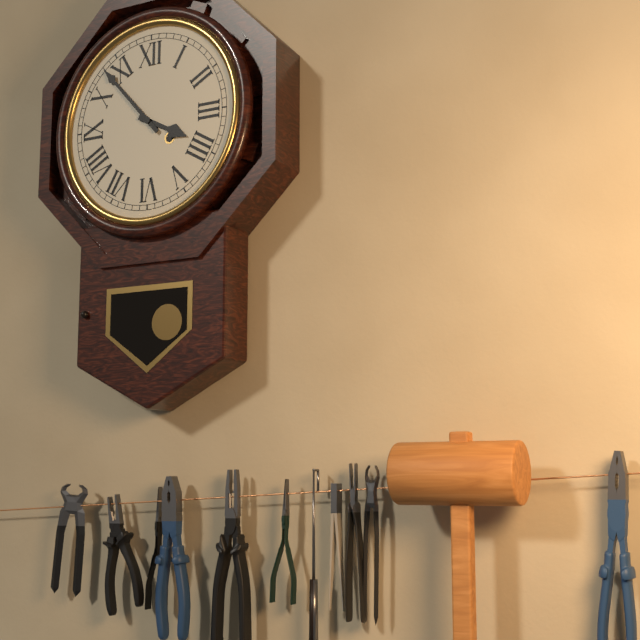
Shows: h=3 m=53
